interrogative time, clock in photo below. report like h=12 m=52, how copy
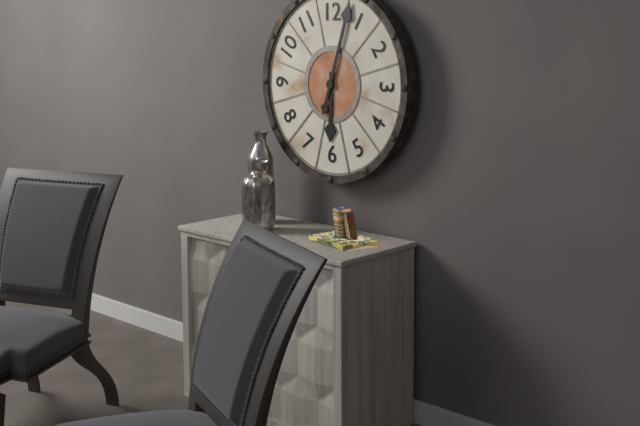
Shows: h=6 m=3
